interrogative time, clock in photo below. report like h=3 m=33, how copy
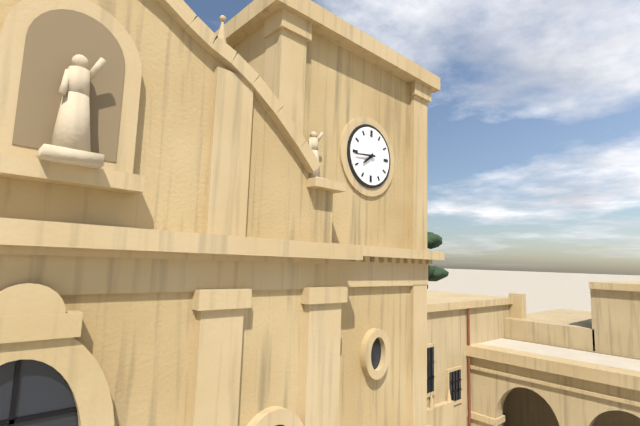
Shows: h=7 m=44
